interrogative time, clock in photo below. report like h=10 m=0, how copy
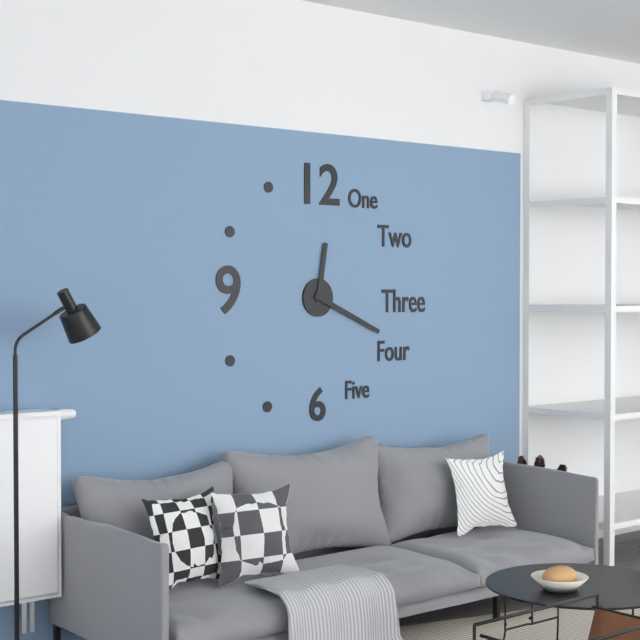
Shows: h=12 m=19
